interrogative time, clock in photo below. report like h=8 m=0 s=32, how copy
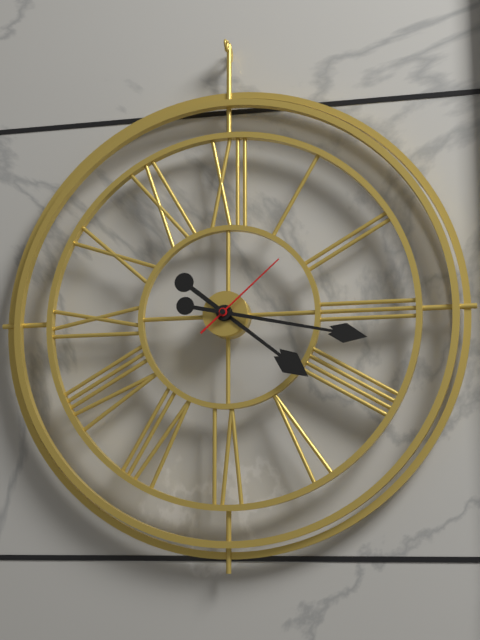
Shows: h=4 m=17 s=8
